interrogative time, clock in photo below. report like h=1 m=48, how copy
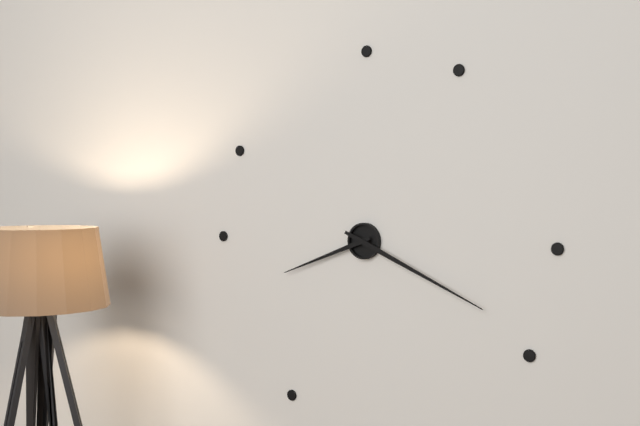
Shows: h=8 m=19
